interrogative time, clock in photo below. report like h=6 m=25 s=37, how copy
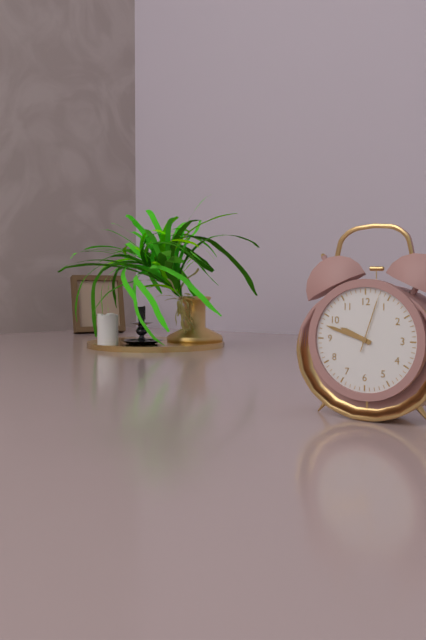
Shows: h=9 m=48 s=3
